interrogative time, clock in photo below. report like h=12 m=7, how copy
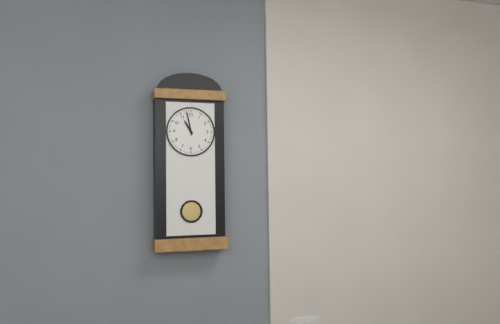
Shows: h=10 m=58
